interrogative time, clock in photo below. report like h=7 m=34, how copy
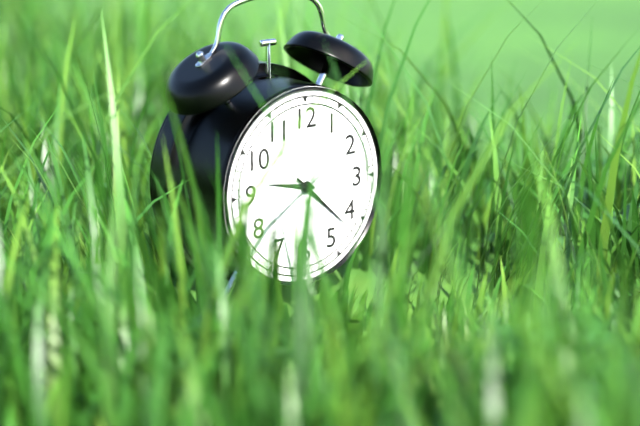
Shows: h=9 m=22
